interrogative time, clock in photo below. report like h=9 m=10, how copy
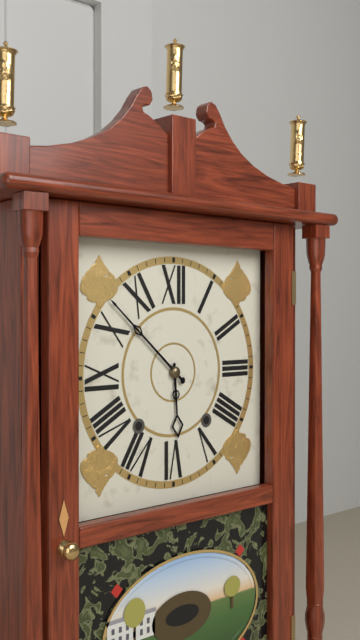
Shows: h=5 m=52
